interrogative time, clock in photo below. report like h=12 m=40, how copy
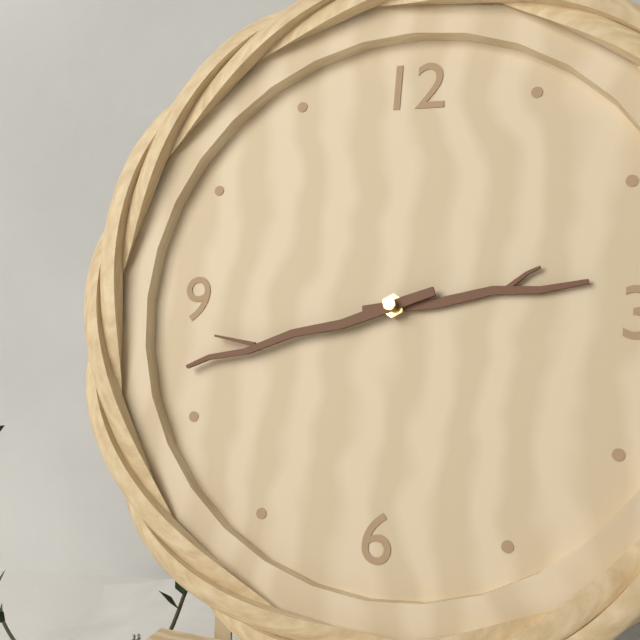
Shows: h=2 m=42
